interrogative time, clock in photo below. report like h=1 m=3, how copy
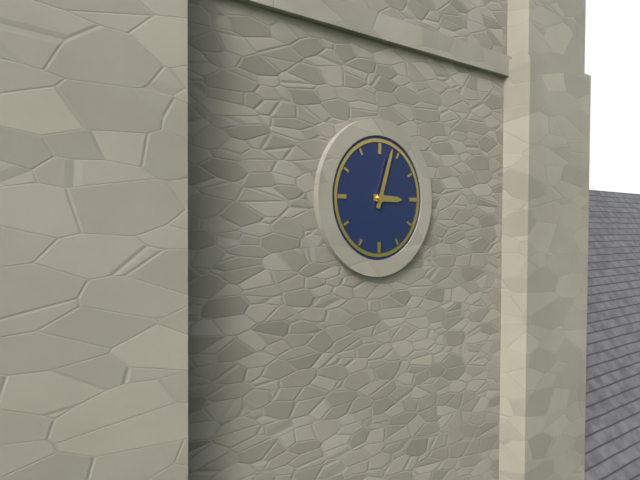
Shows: h=3 m=3
